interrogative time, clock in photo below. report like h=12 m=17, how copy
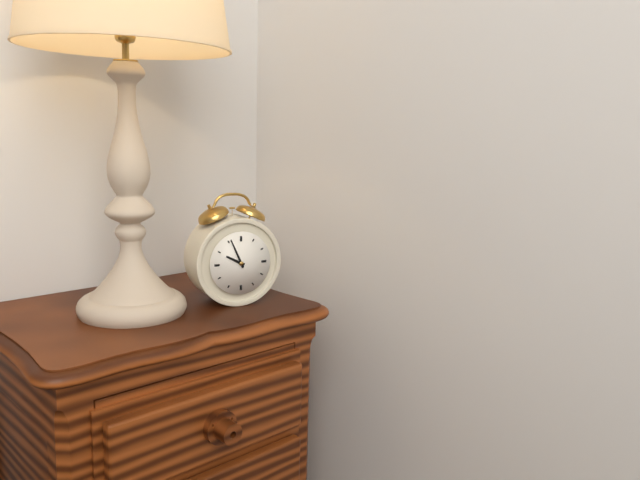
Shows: h=9 m=56
